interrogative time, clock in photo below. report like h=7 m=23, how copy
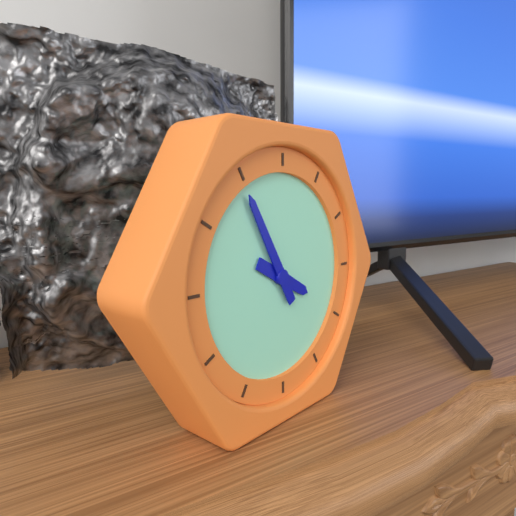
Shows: h=3 m=55
